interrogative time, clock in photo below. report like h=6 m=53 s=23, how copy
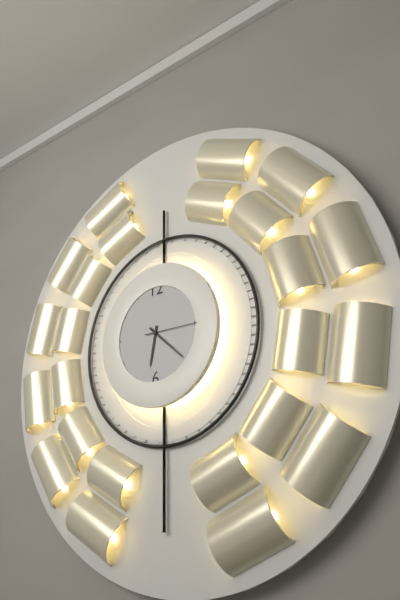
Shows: h=6 m=22 s=15
